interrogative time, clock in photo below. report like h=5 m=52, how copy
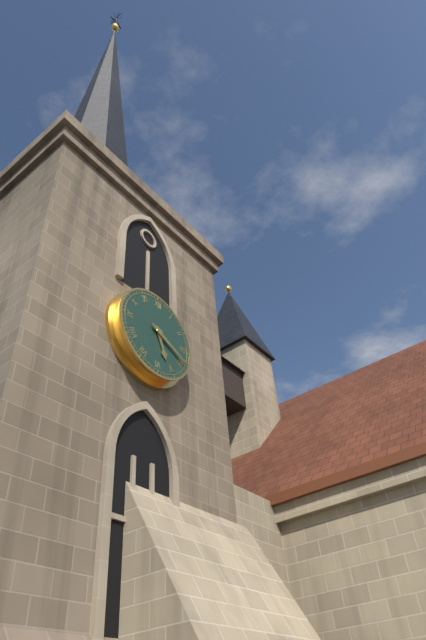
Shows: h=5 m=19
